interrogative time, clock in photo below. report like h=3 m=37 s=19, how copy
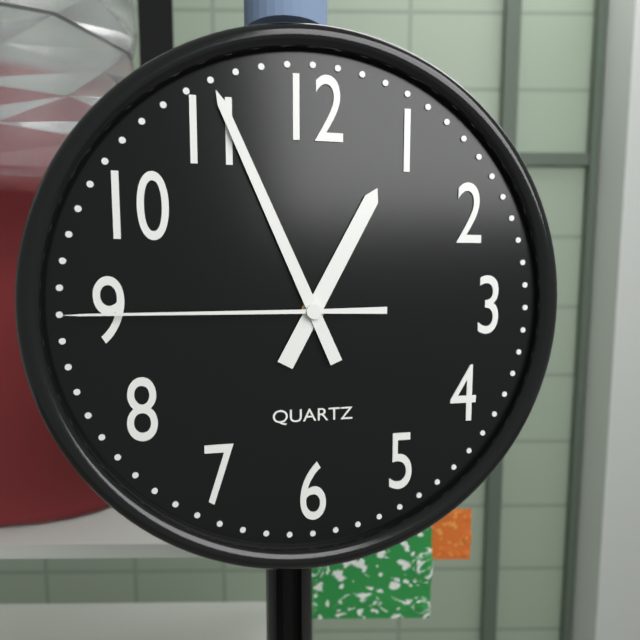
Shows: h=12 m=56 s=45
